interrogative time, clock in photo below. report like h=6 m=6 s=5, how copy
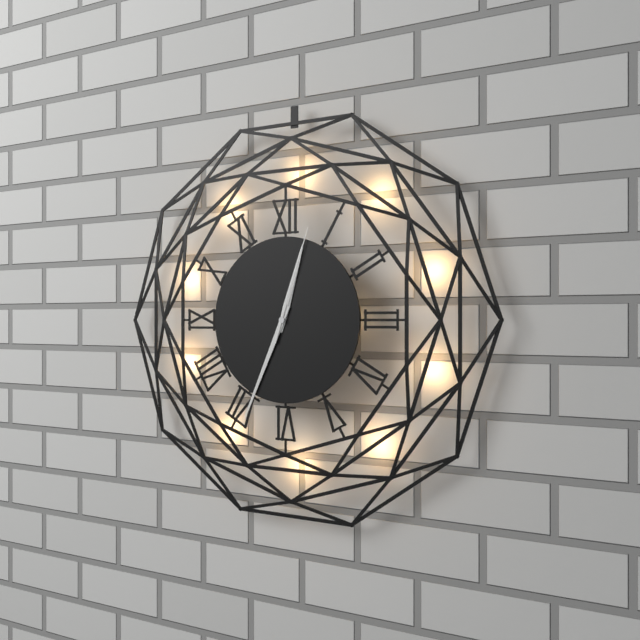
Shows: h=12 m=34 s=3
